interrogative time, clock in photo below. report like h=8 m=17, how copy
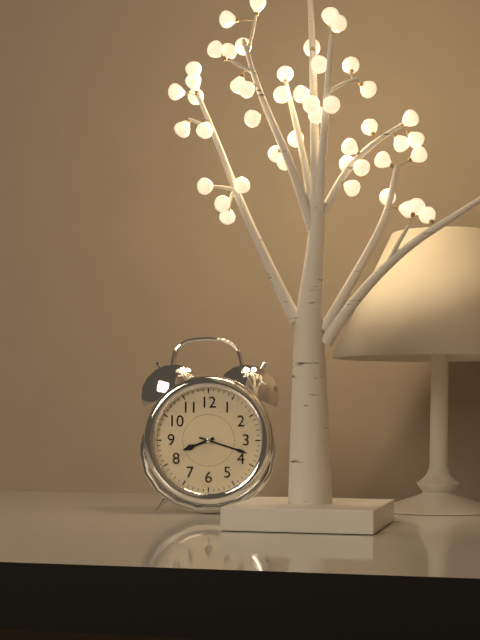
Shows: h=8 m=18
